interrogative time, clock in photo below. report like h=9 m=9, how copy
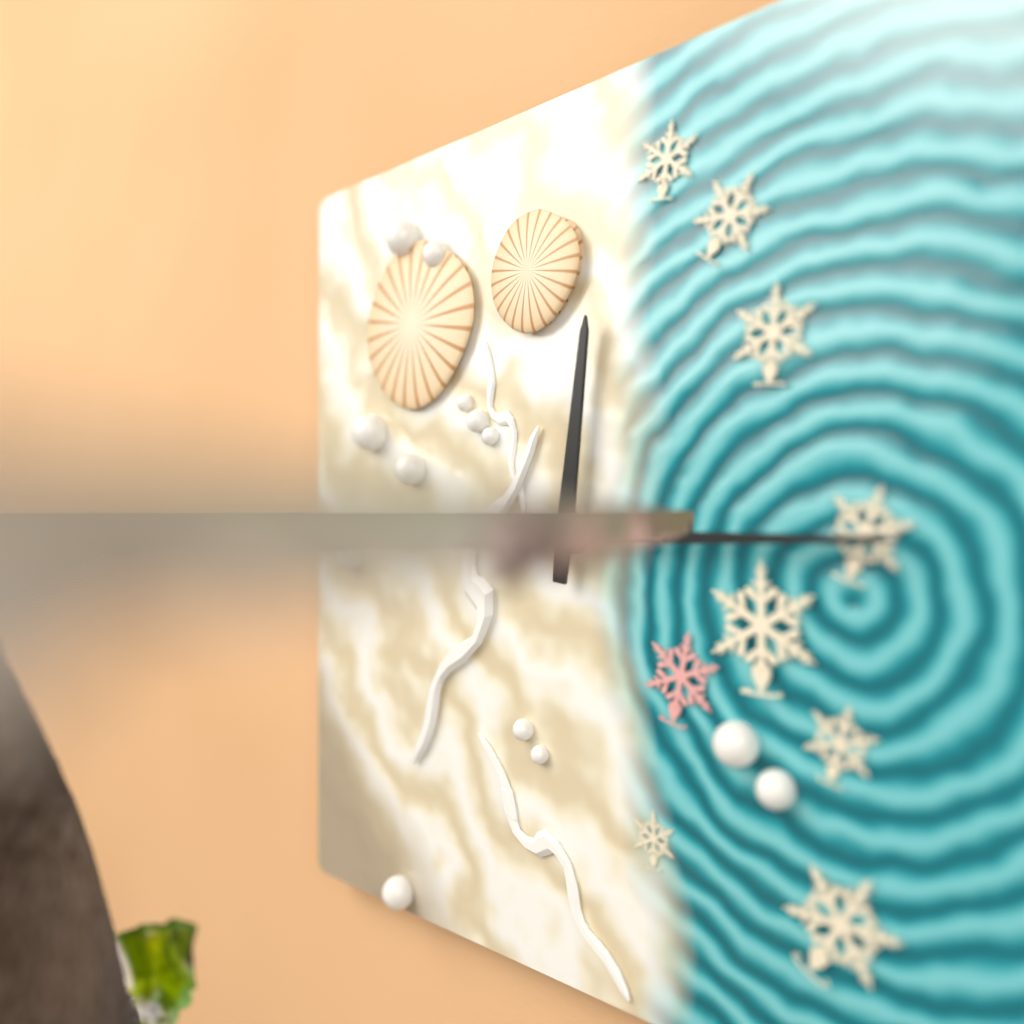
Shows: h=12 m=15
